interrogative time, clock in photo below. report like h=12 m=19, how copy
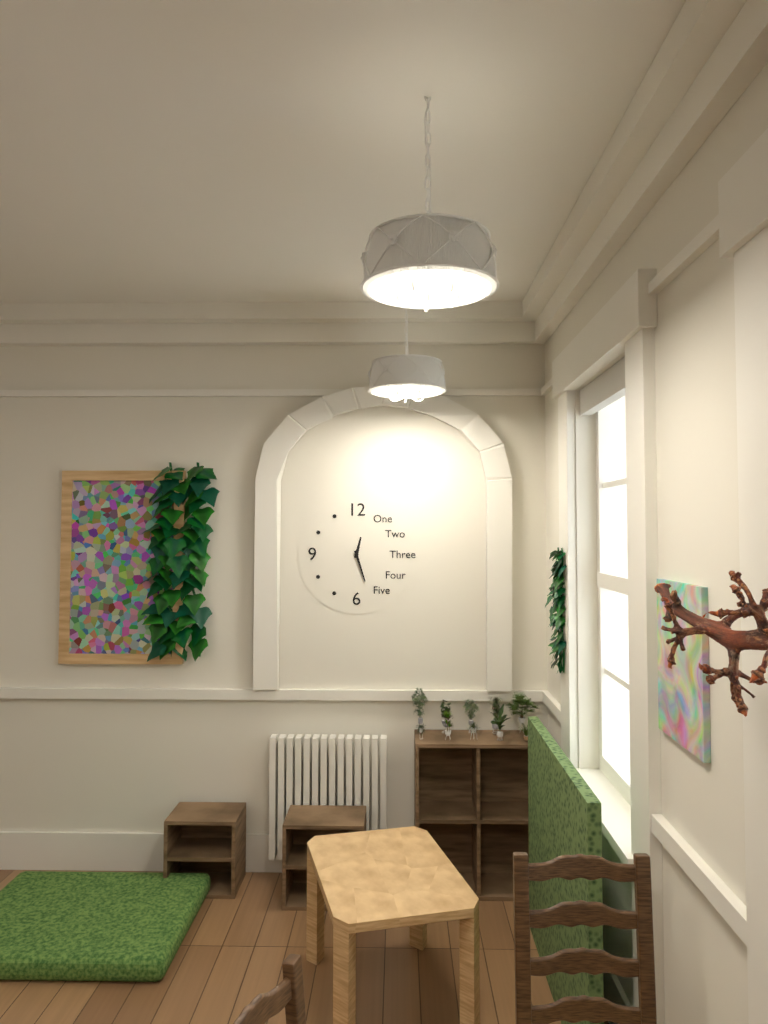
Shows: h=12 m=27
